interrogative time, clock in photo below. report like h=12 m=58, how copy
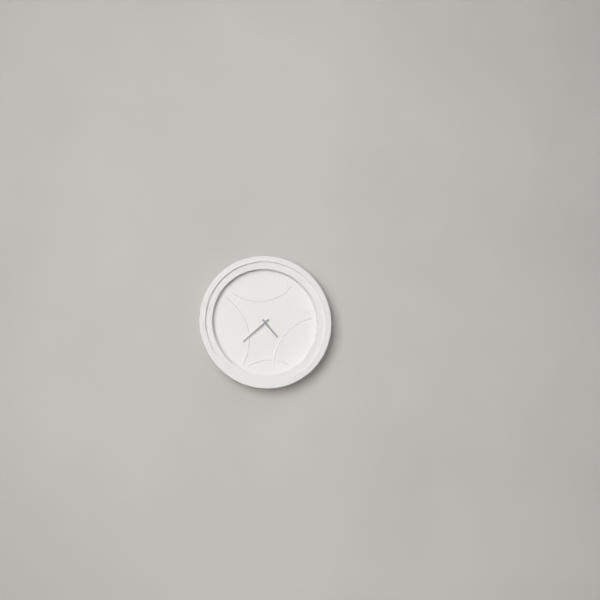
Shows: h=4 m=38
